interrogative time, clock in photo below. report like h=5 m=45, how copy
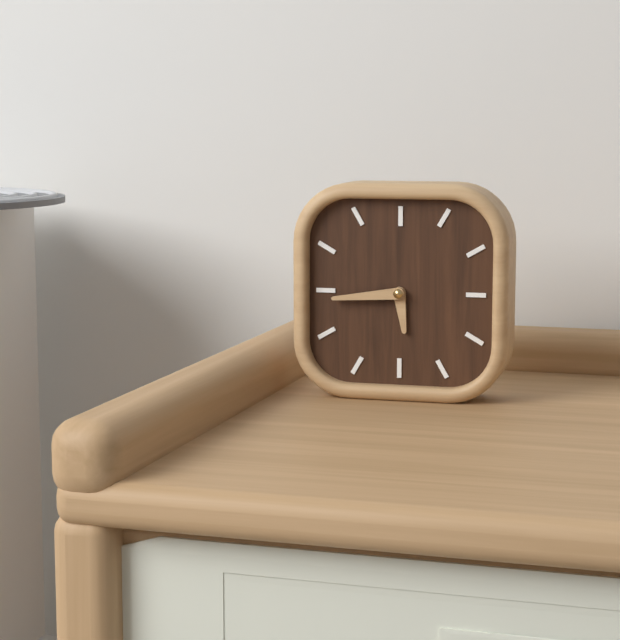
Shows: h=5 m=44
